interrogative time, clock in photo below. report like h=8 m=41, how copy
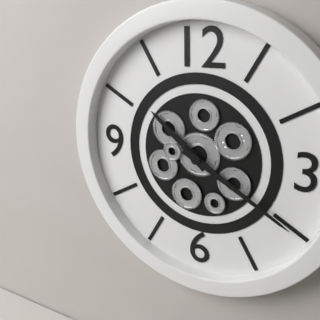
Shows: h=10 m=20
